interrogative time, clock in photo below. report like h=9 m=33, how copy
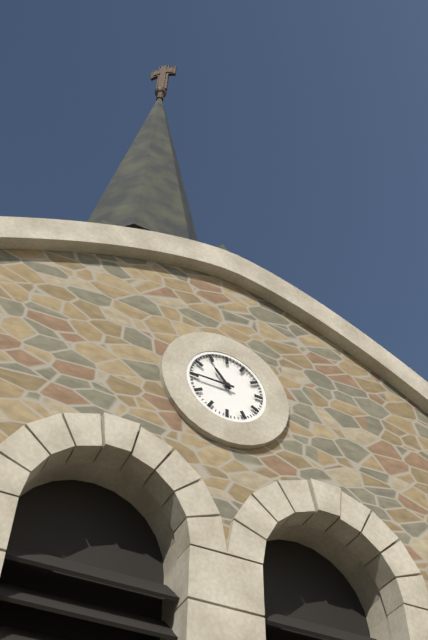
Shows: h=10 m=45
